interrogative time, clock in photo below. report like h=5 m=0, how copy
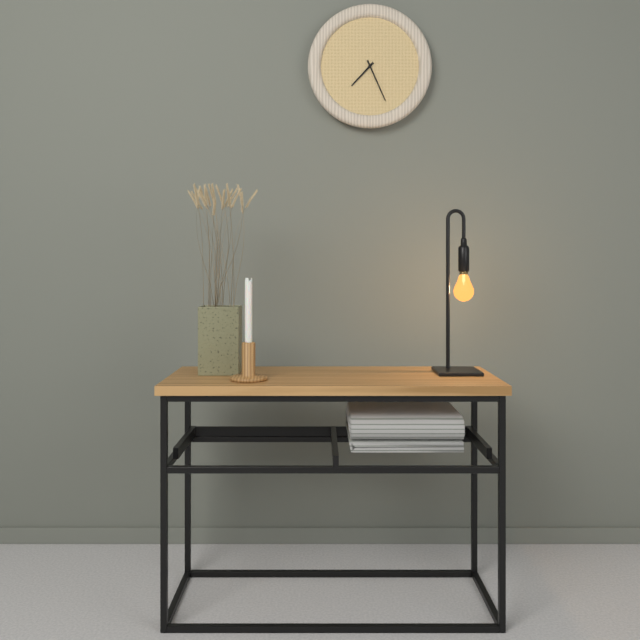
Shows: h=7 m=26
